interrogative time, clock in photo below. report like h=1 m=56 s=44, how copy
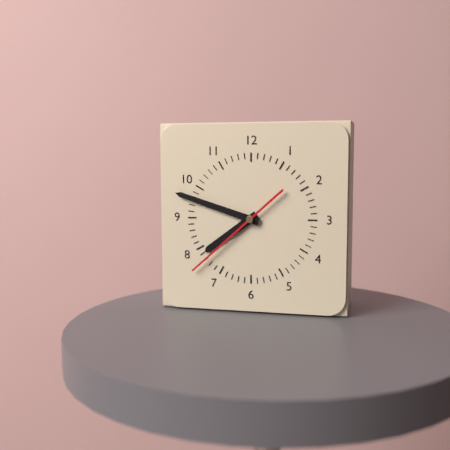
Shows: h=7 m=48 s=38
